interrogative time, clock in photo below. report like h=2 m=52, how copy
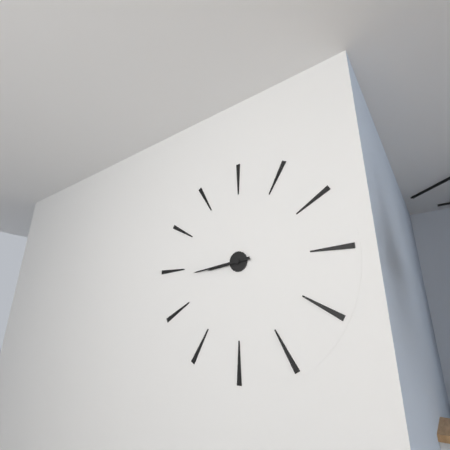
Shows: h=8 m=44
